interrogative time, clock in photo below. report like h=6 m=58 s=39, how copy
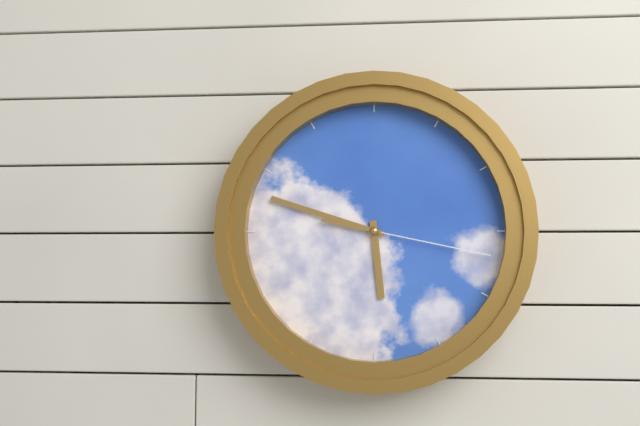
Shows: h=5 m=48 s=17
